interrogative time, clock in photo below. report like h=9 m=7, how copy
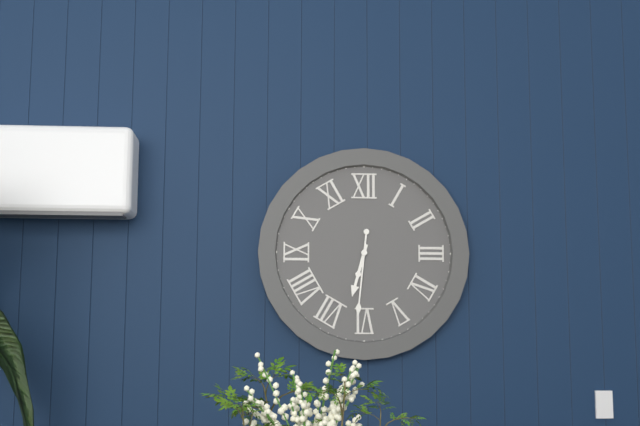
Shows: h=6 m=31
